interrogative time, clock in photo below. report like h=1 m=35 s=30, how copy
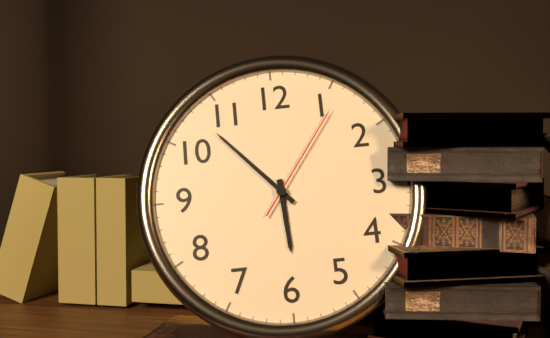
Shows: h=5 m=53 s=6
